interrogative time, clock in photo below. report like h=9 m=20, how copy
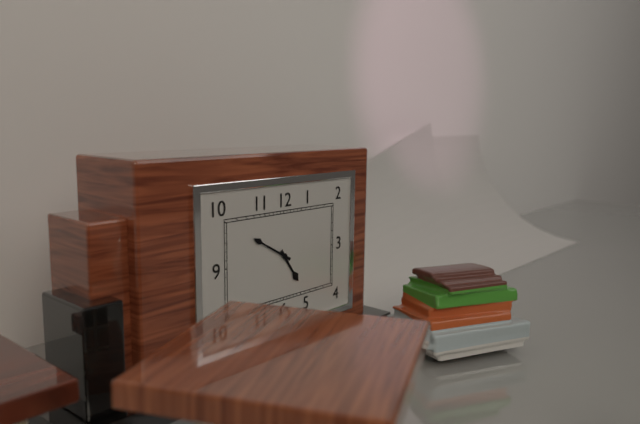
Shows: h=4 m=50
